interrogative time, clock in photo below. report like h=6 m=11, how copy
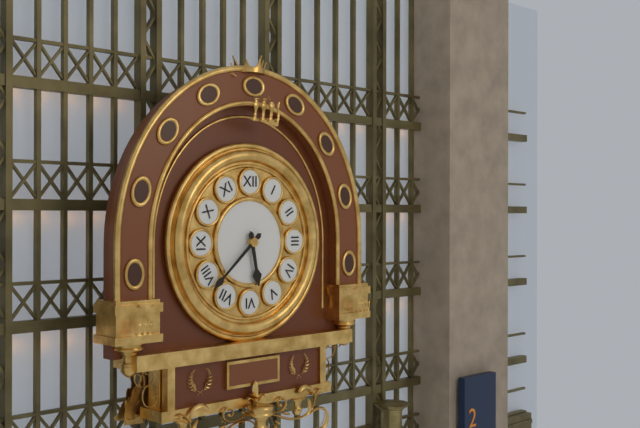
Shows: h=5 m=38
